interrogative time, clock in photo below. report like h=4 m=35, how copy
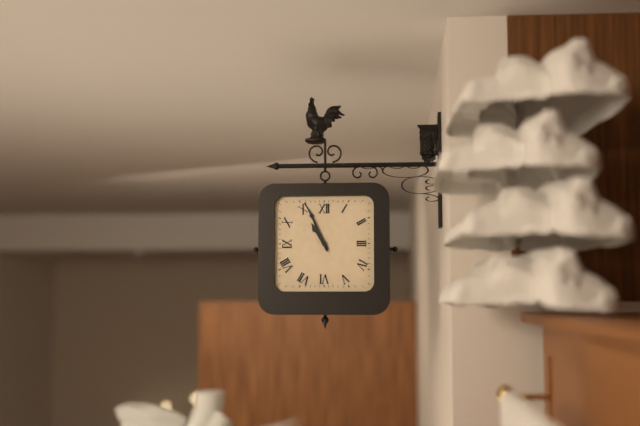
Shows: h=10 m=56
